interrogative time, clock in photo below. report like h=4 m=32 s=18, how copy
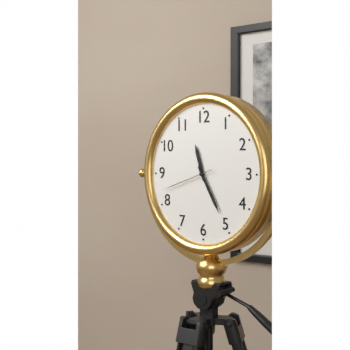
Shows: h=11 m=25 s=42
